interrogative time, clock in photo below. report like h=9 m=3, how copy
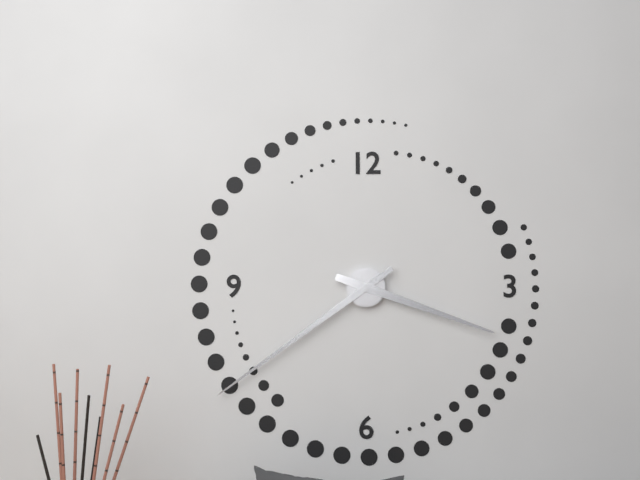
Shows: h=3 m=39
